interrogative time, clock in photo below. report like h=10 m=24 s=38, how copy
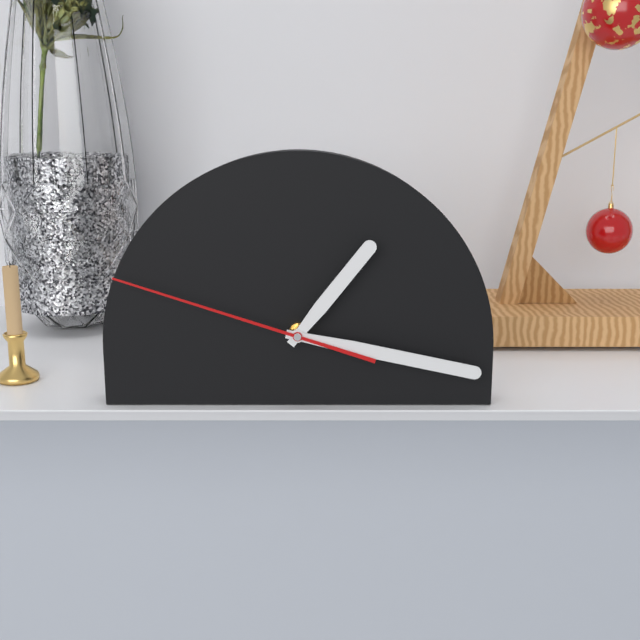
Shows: h=1 m=17 s=48
